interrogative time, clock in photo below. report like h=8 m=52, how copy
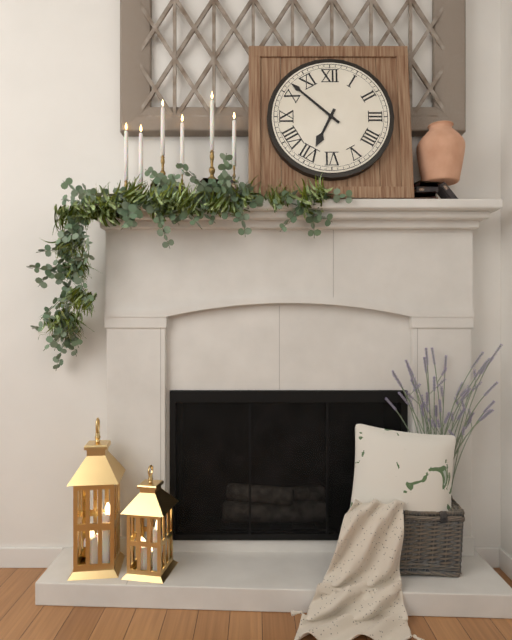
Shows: h=6 m=52
